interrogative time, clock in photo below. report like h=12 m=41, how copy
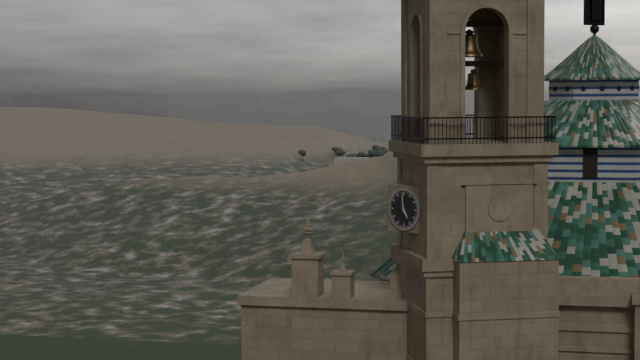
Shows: h=4 m=59
